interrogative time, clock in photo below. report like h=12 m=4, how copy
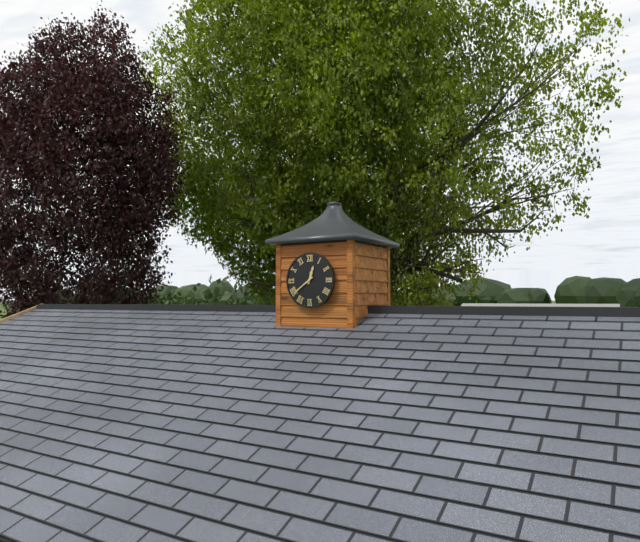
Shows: h=12 m=39
